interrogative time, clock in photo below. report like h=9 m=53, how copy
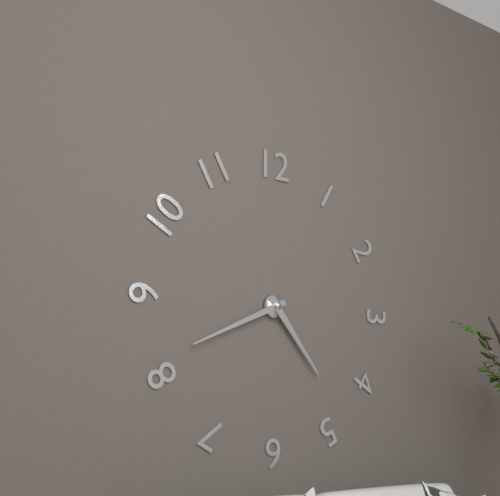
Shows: h=4 m=41
